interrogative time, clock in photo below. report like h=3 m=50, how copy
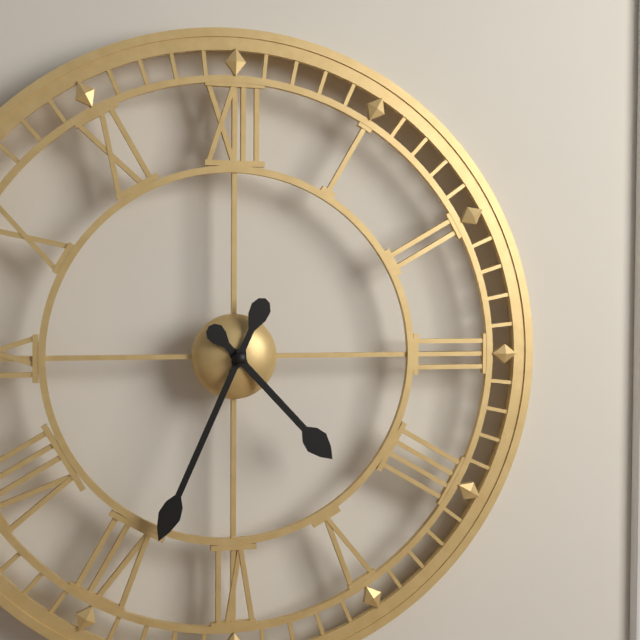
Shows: h=4 m=34
